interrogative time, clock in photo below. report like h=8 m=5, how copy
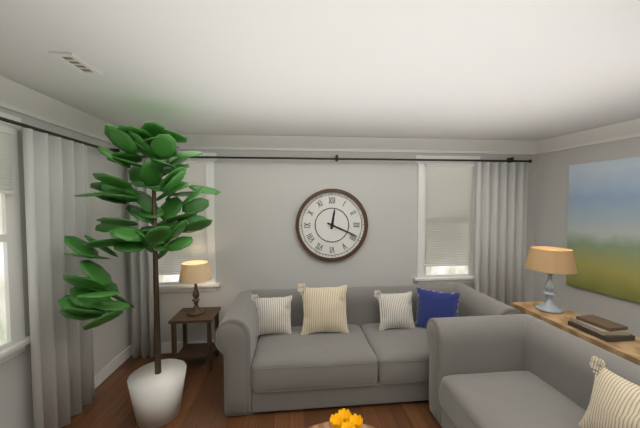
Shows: h=12 m=19
